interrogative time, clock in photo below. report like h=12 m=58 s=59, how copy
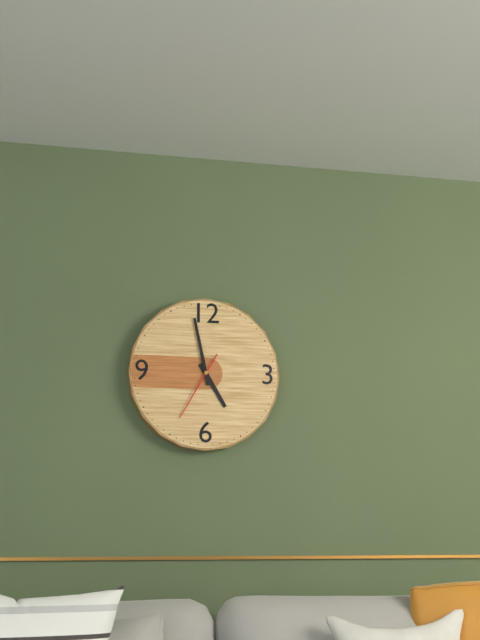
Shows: h=4 m=58 s=35
